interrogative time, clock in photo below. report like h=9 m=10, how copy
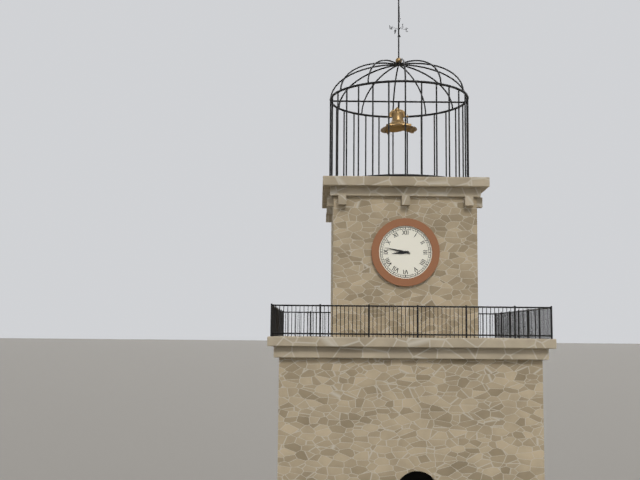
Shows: h=8 m=47
